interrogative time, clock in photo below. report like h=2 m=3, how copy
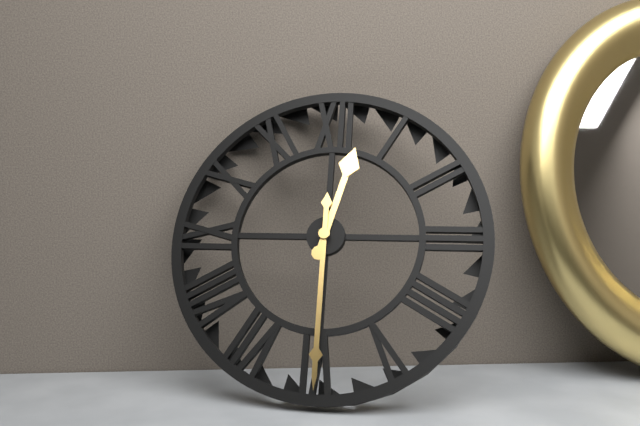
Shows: h=12 m=30
